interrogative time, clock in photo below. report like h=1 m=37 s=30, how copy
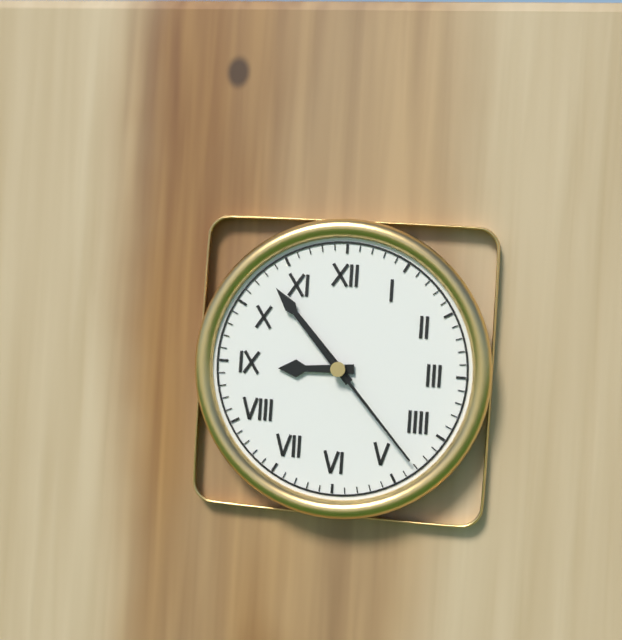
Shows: h=8 m=53 s=23
